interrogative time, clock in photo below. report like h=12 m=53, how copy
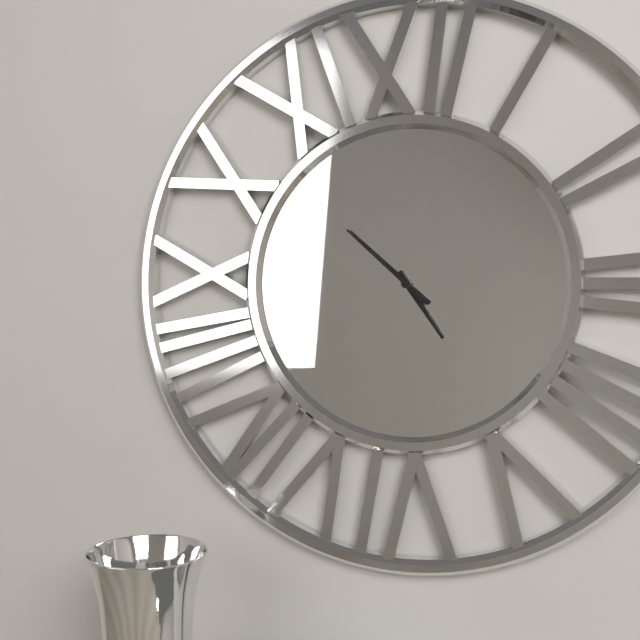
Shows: h=4 m=52
